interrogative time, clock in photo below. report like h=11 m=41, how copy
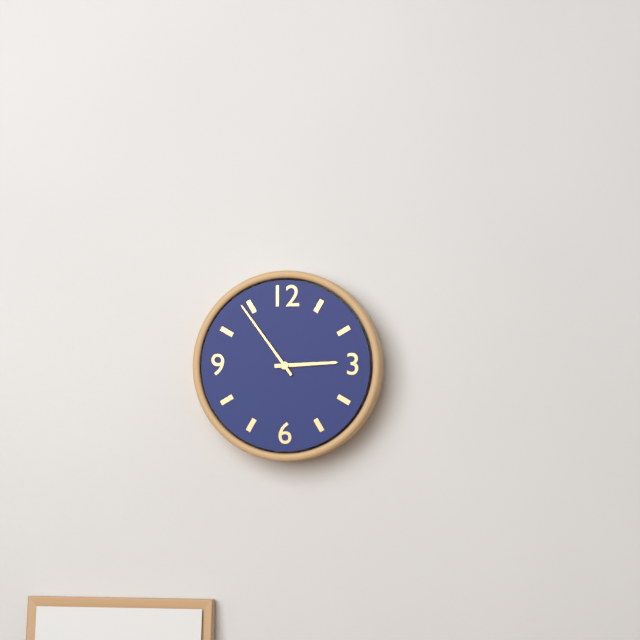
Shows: h=2 m=54
